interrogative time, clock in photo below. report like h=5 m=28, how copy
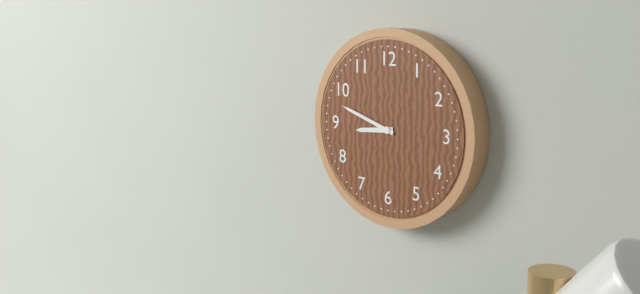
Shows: h=8 m=48
